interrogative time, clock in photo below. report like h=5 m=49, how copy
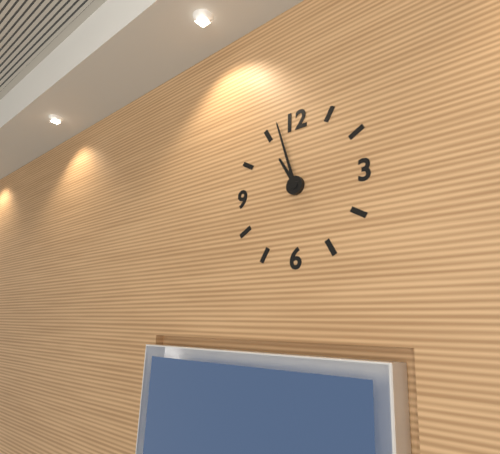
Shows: h=10 m=57
